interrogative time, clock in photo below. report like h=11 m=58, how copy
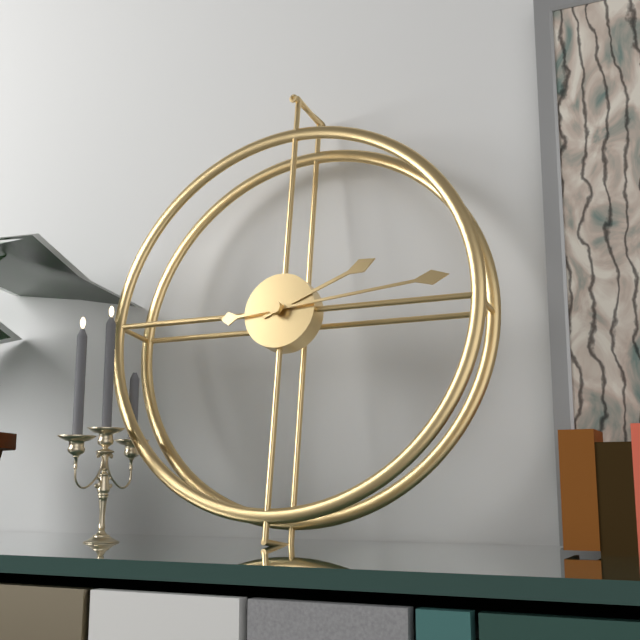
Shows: h=2 m=14
